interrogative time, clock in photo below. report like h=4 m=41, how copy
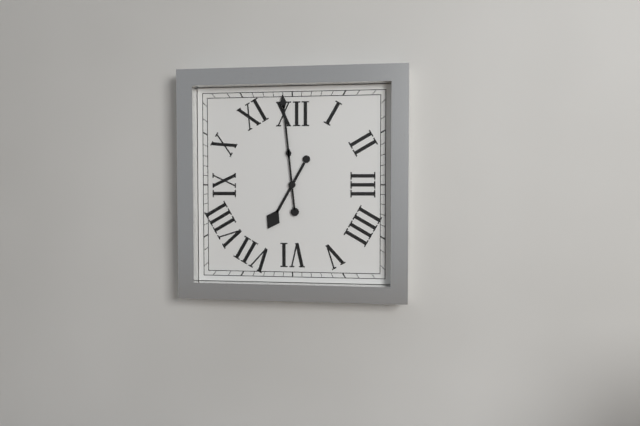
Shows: h=6 m=59
